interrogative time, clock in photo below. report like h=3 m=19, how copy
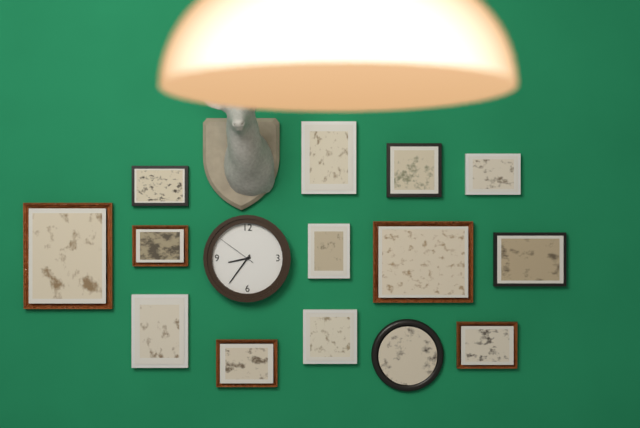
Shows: h=8 m=36
